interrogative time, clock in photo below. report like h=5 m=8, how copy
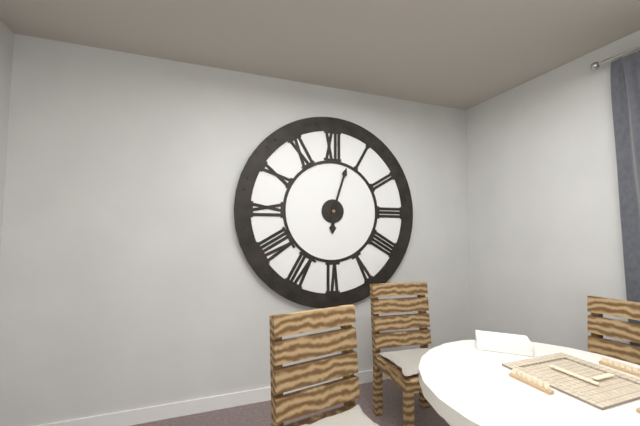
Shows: h=6 m=3
